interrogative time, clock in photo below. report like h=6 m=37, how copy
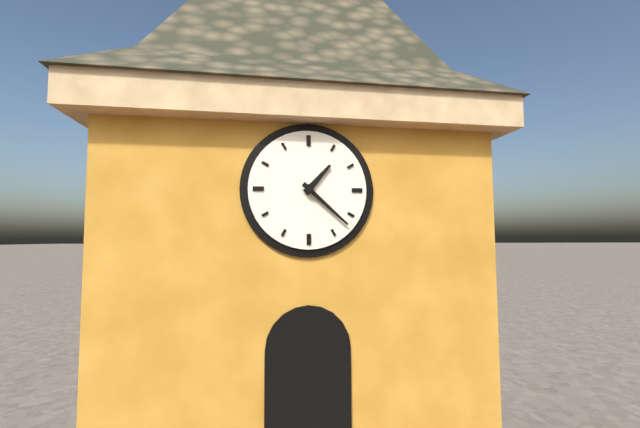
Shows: h=1 m=22
